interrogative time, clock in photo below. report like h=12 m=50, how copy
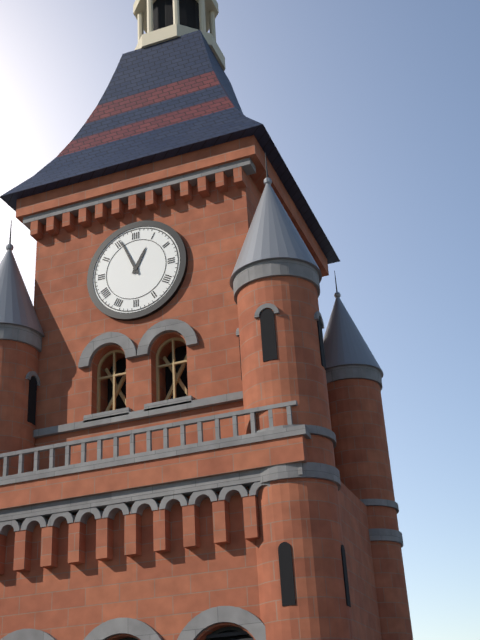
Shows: h=12 m=56
